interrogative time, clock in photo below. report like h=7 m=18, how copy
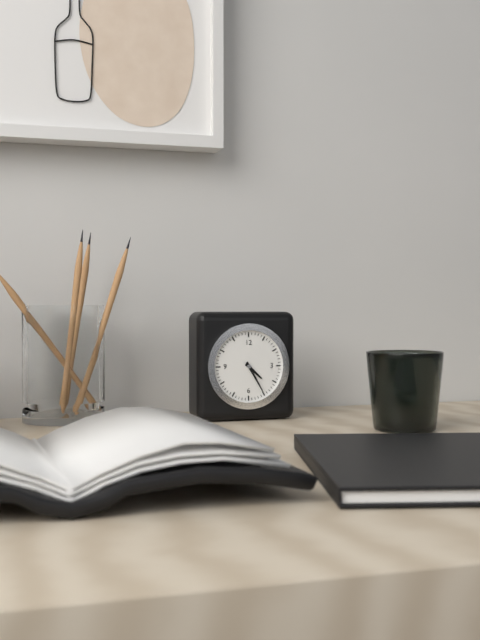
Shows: h=4 m=25
